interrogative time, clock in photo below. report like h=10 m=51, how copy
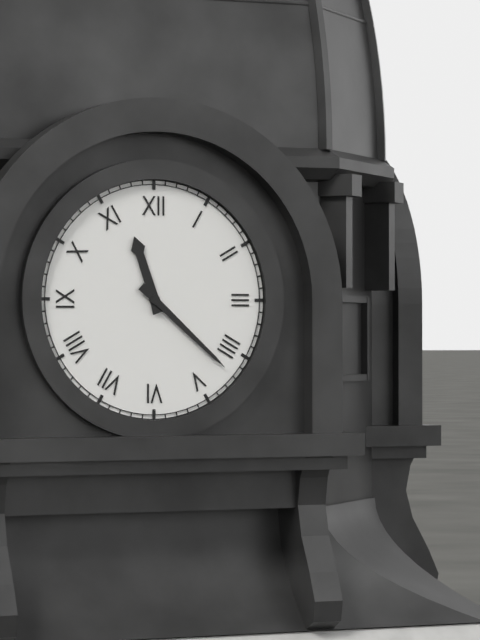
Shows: h=11 m=22
